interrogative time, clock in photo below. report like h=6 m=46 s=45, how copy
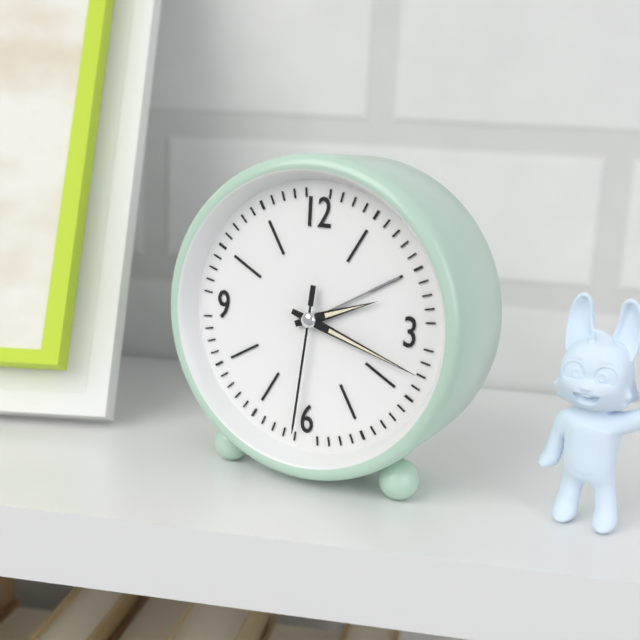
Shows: h=2 m=18 s=31
